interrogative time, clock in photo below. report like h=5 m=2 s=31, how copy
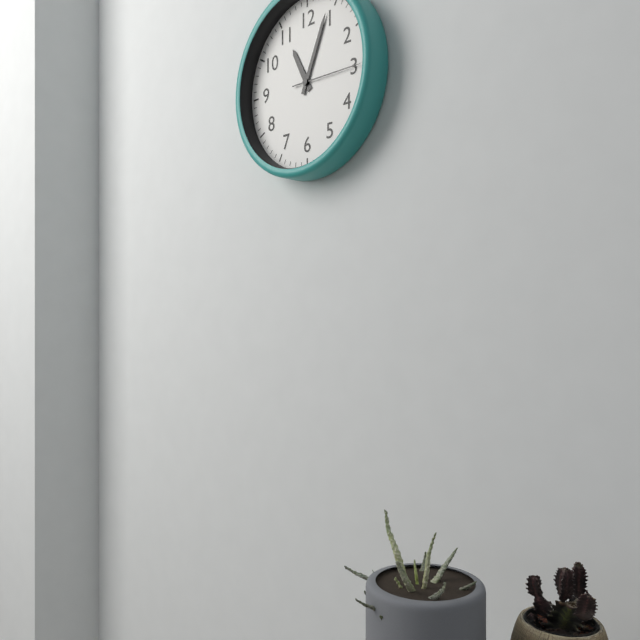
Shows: h=11 m=4 s=15
